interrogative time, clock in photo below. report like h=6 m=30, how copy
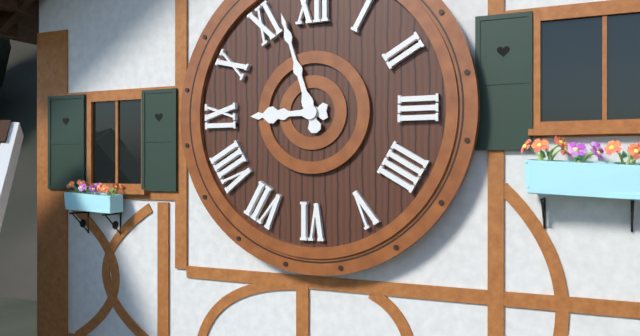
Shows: h=8 m=57
